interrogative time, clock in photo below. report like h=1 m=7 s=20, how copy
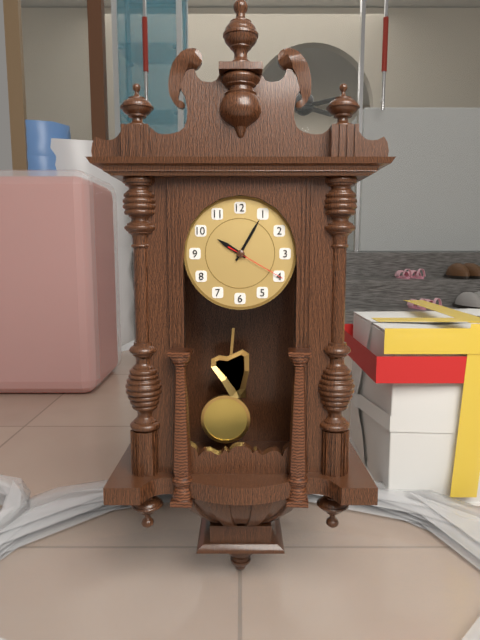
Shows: h=10 m=5 s=20
